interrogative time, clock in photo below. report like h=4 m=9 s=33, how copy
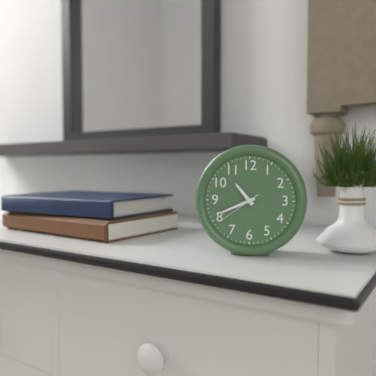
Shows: h=10 m=41 s=39
